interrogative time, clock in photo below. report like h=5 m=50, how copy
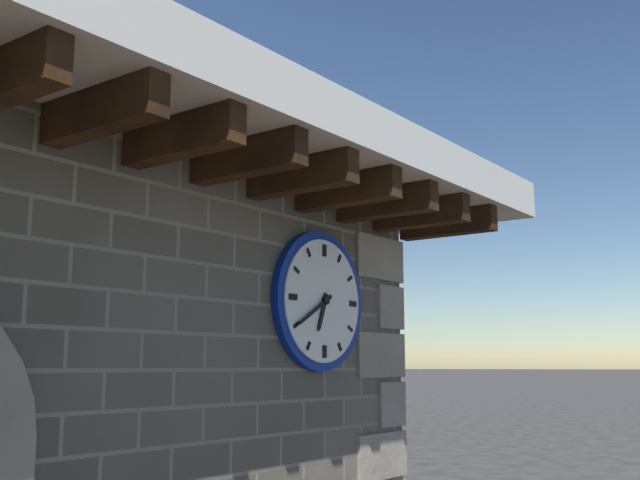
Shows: h=6 m=40
